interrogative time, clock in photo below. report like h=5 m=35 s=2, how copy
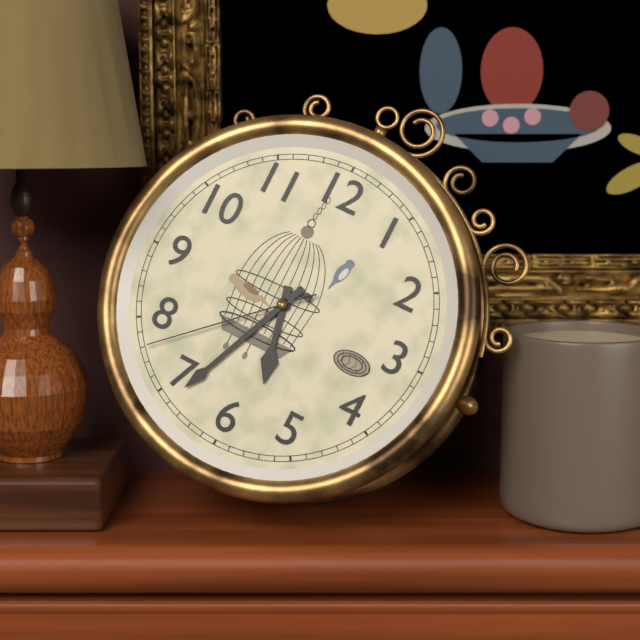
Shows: h=5 m=34 s=38
